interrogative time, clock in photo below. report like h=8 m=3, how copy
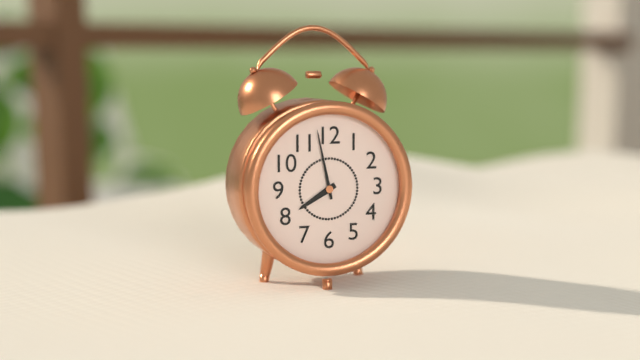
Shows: h=7 m=58
